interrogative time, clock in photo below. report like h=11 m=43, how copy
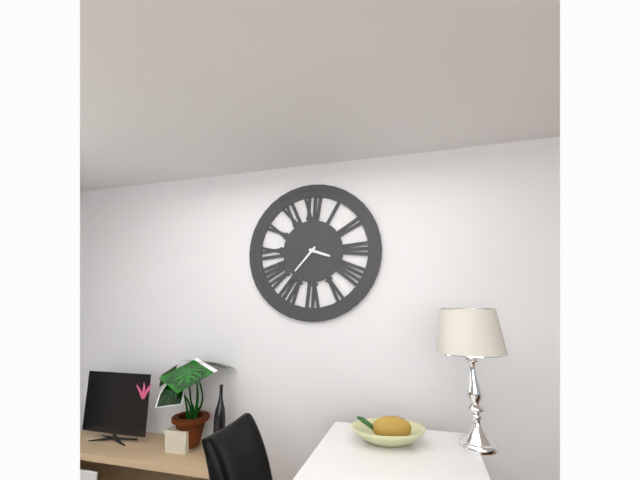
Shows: h=3 m=37
